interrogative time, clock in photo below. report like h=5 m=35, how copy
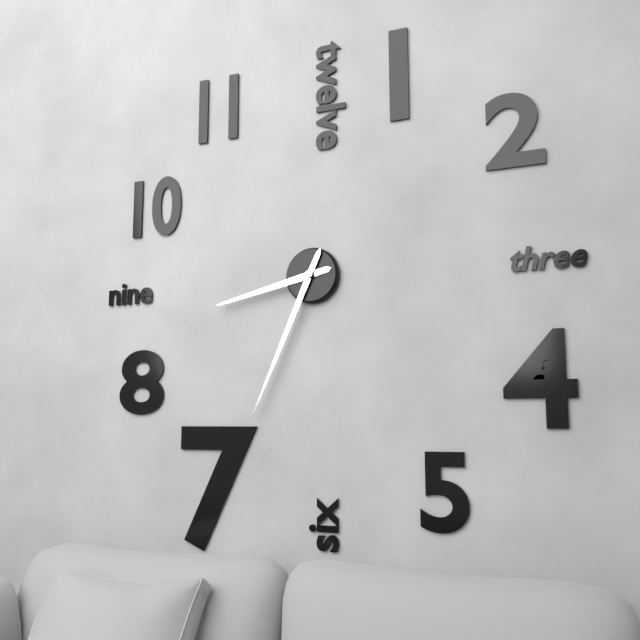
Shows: h=8 m=34
